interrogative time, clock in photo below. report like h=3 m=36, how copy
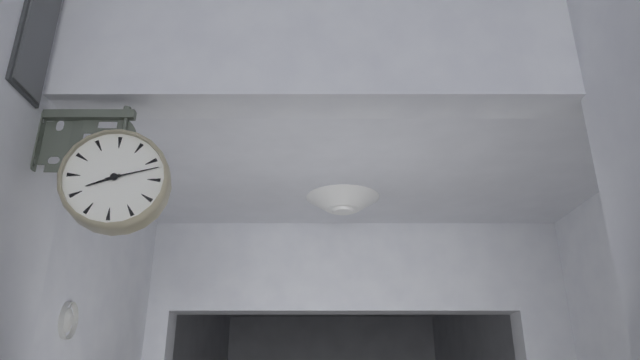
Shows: h=8 m=12
